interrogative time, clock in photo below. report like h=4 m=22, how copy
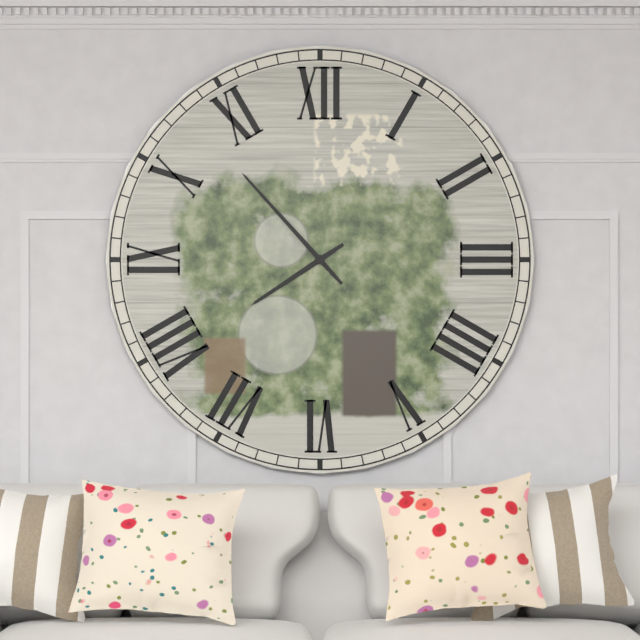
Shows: h=7 m=53
